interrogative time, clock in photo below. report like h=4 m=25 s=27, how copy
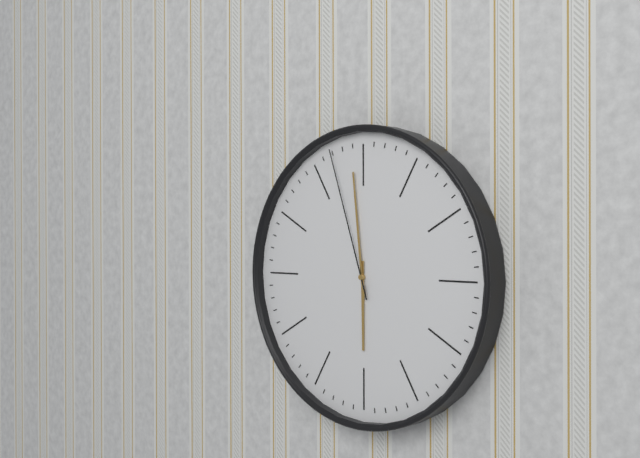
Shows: h=5 m=59 s=57
